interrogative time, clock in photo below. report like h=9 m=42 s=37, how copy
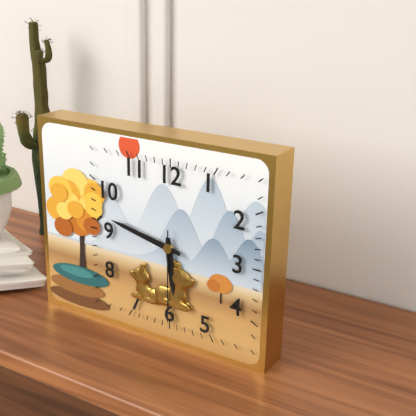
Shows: h=5 m=47 s=30
